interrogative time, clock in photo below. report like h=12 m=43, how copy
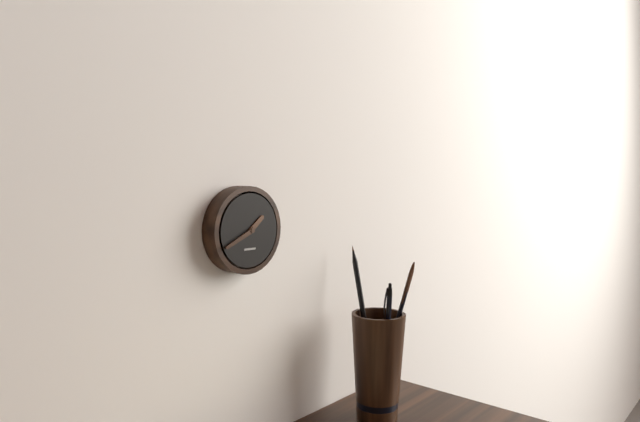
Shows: h=1 m=41
